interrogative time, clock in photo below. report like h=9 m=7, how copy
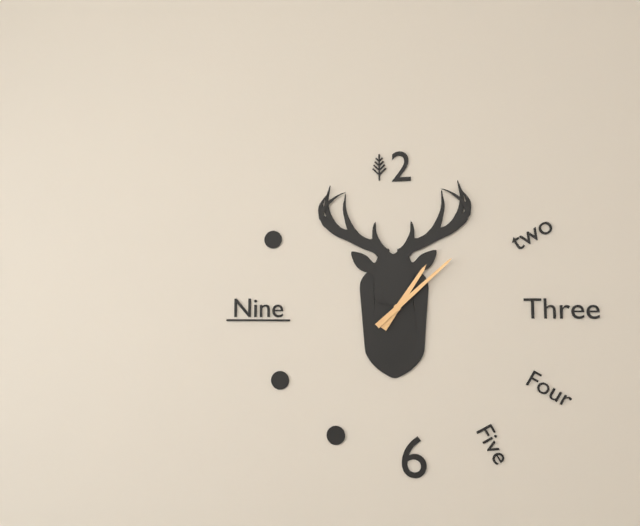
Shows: h=1 m=8
